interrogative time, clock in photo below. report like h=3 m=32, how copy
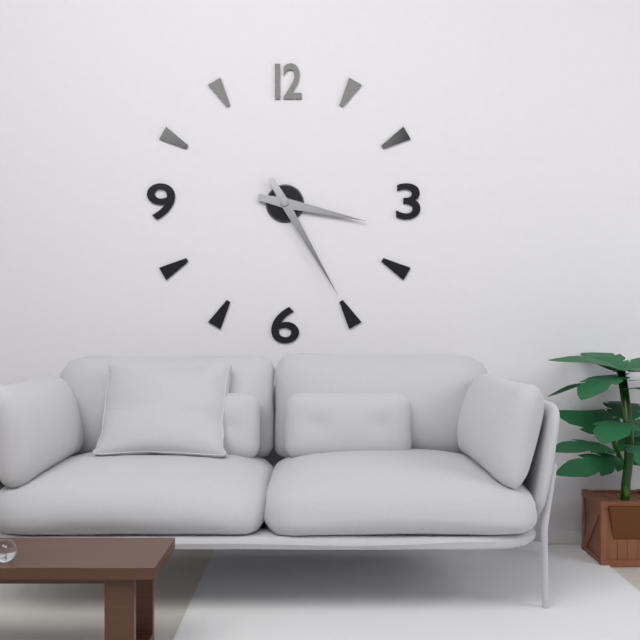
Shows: h=3 m=25
